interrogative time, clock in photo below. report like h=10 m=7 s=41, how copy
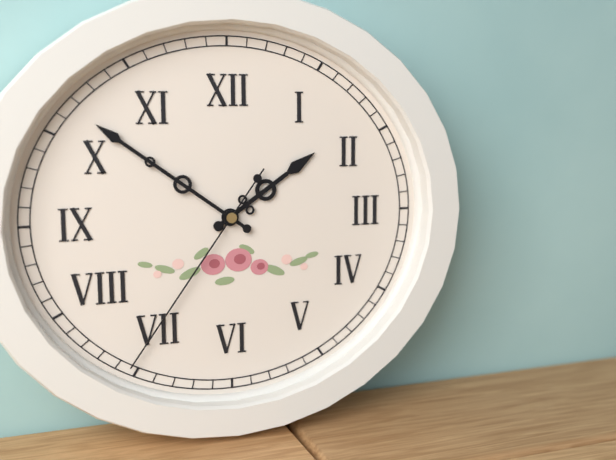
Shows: h=1 m=51 s=36
